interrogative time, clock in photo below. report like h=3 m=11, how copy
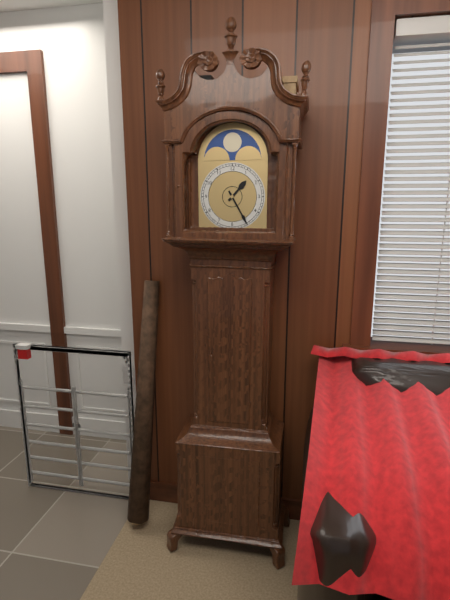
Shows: h=1 m=25
